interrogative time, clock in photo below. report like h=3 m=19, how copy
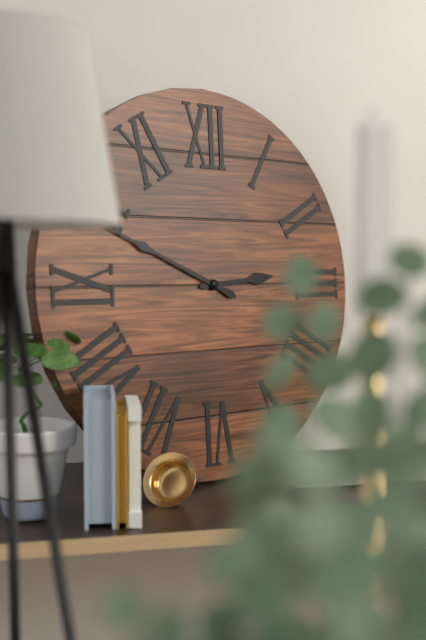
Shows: h=2 m=49
